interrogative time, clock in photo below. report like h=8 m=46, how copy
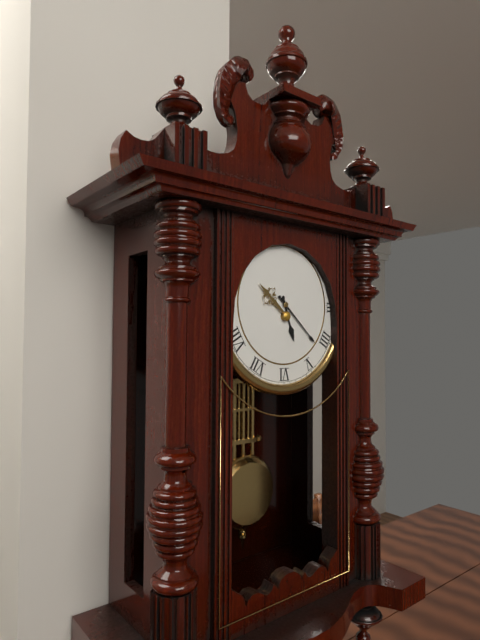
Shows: h=5 m=22
